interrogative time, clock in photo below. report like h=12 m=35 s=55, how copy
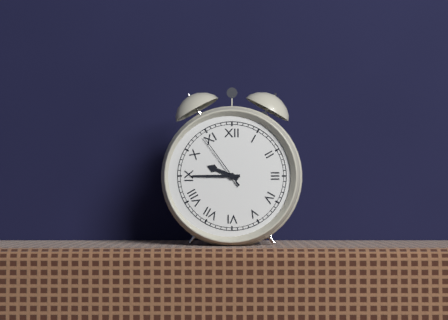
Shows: h=9 m=45 s=54
